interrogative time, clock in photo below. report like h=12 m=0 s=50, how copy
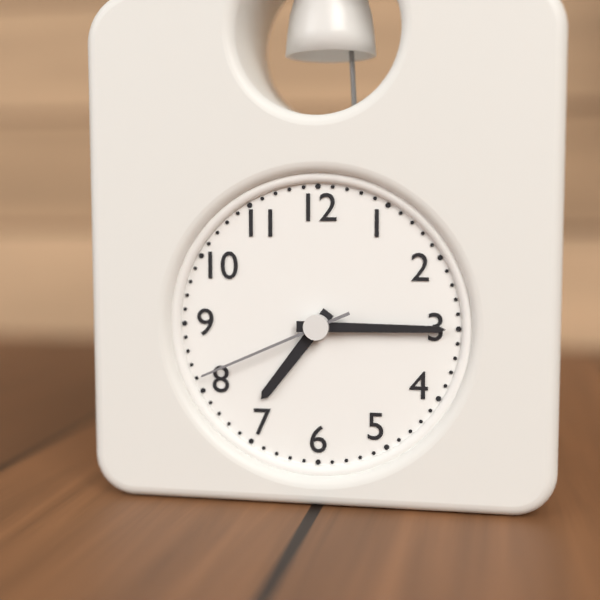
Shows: h=7 m=15 s=41
